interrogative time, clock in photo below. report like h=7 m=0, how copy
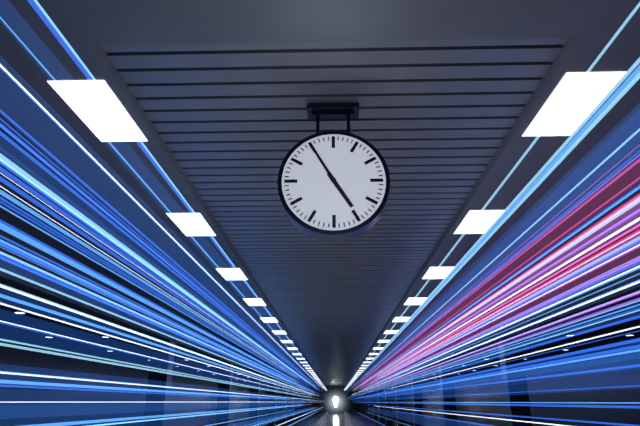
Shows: h=4 m=55
